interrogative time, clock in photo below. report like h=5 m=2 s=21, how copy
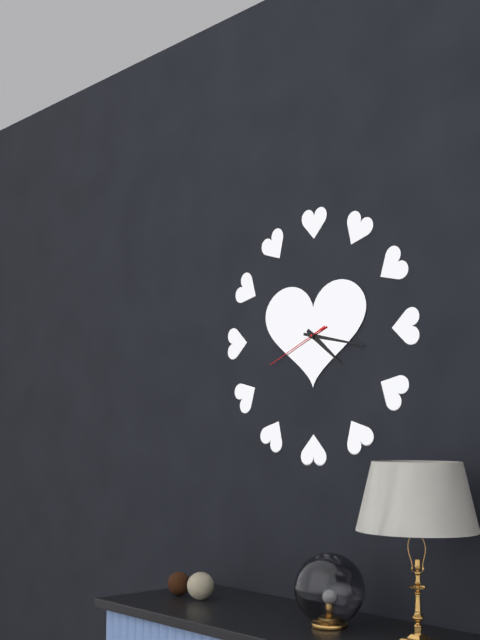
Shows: h=4 m=17 s=41
